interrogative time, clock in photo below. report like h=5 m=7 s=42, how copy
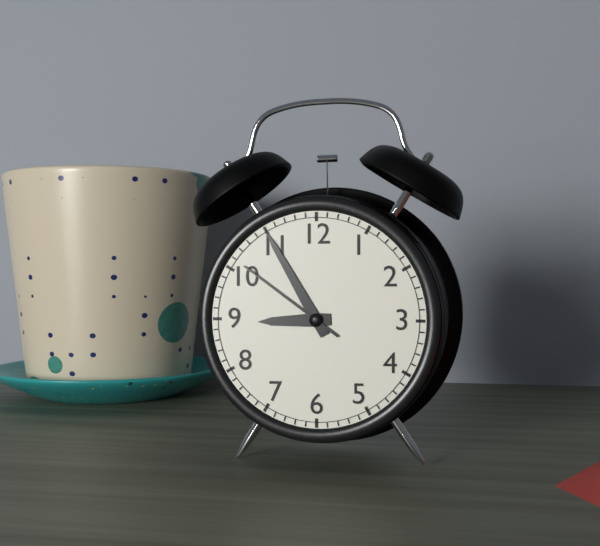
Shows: h=8 m=55 s=51
